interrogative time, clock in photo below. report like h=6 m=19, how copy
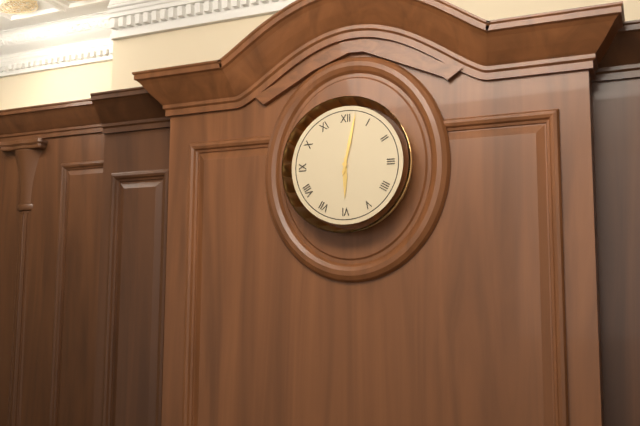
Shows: h=6 m=2
